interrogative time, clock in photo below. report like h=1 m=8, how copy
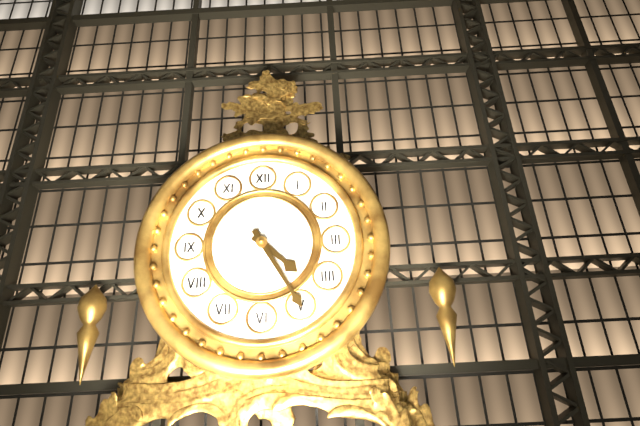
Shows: h=4 m=25
